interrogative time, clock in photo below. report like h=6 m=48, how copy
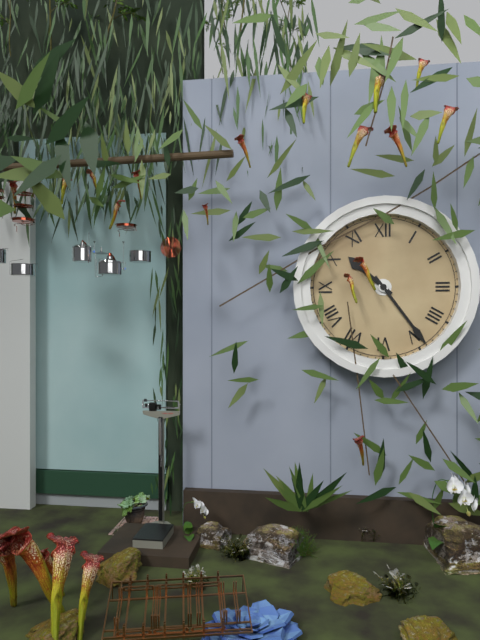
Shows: h=10 m=24
